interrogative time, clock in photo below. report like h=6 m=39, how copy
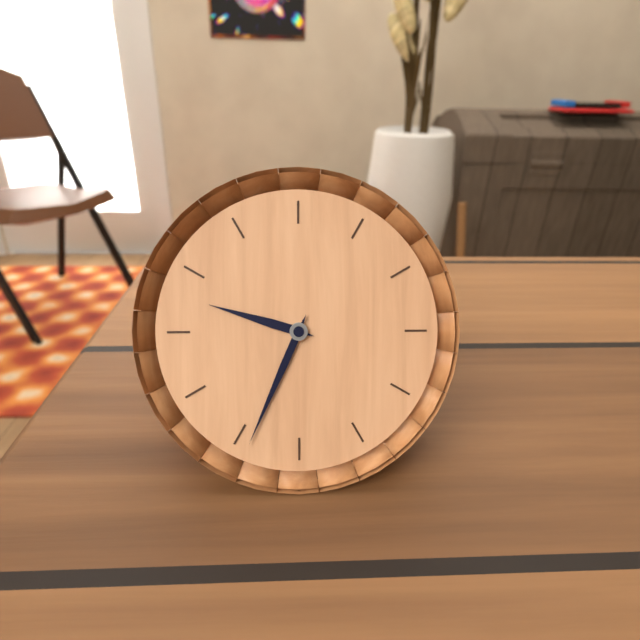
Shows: h=9 m=34
